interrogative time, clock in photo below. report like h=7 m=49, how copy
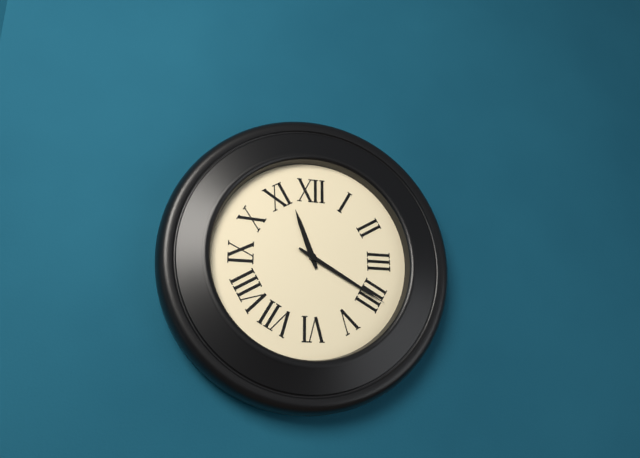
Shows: h=11 m=20
